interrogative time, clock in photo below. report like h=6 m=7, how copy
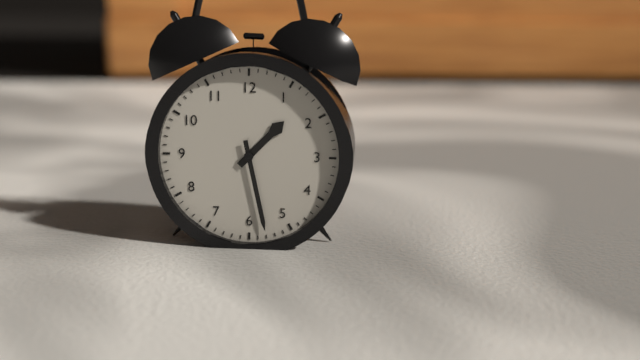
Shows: h=1 m=28
